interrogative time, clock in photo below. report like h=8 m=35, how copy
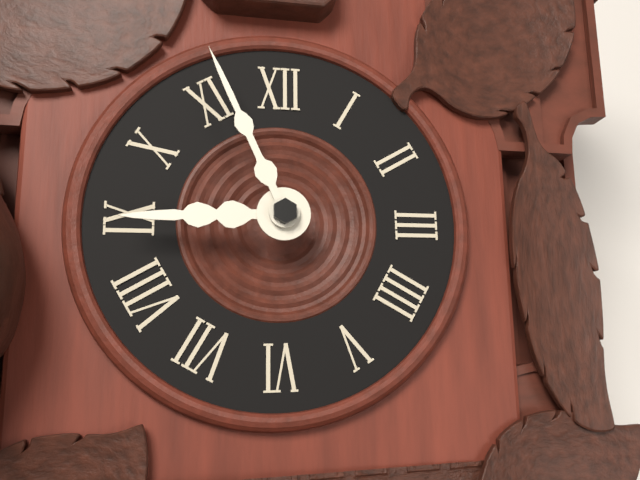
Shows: h=8 m=56
